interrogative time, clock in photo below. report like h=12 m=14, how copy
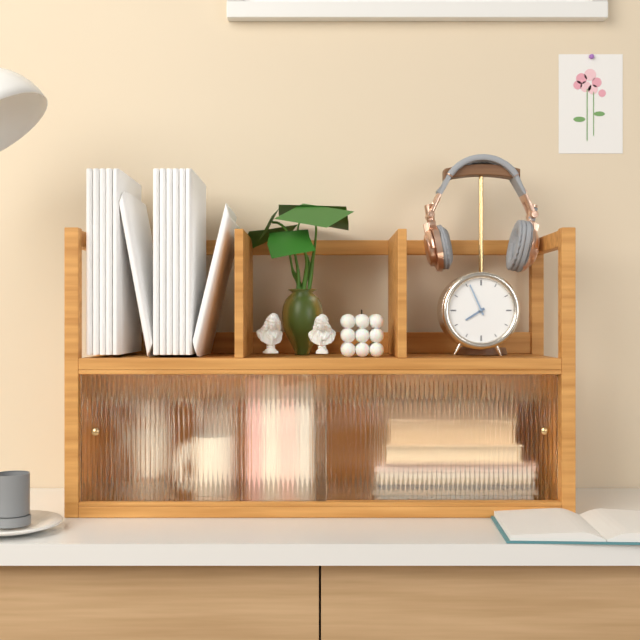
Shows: h=7 m=56
